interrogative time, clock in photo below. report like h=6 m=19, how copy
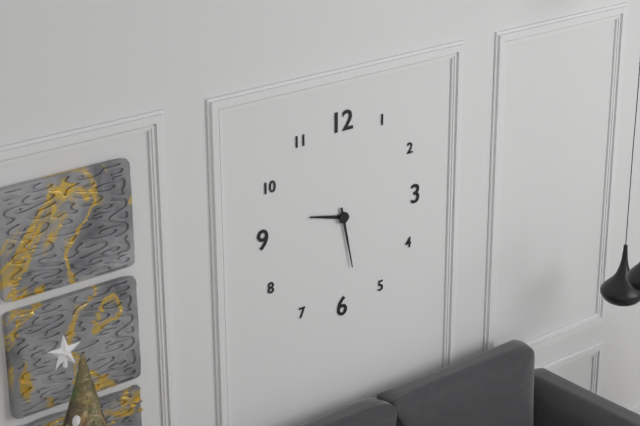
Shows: h=9 m=28
